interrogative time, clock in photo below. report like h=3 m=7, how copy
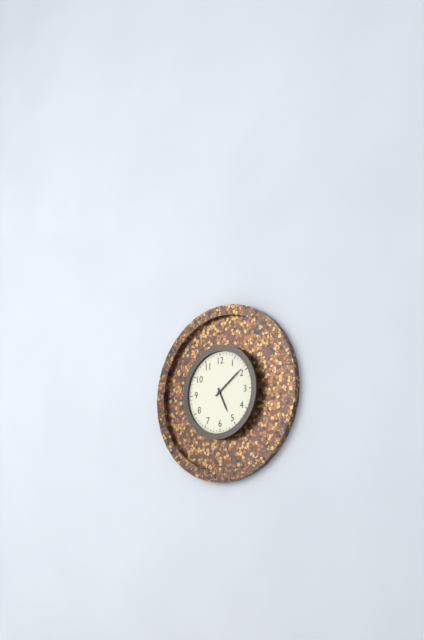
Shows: h=5 m=9
